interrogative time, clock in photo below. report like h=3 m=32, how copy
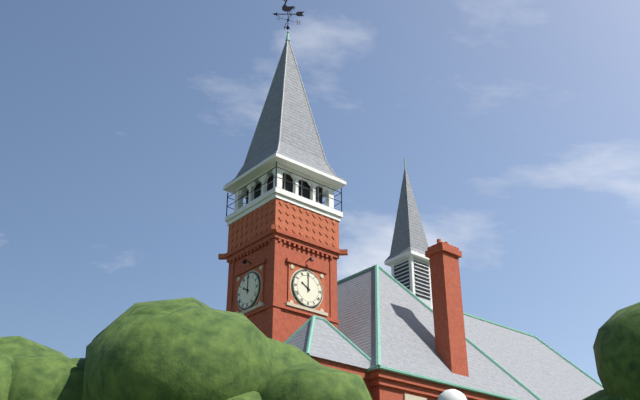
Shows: h=10 m=0
